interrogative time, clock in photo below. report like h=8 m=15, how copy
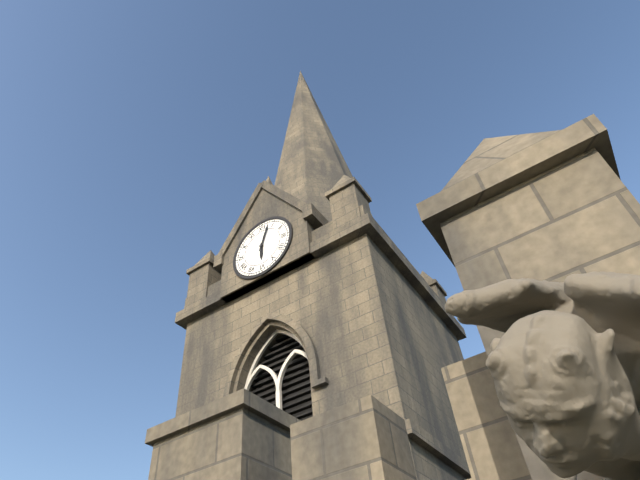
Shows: h=6 m=3
